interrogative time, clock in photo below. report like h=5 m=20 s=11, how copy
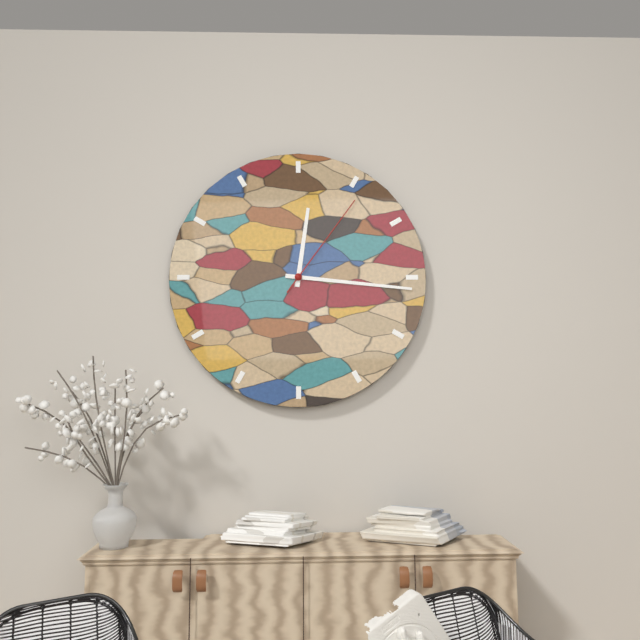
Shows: h=12 m=16 s=6
